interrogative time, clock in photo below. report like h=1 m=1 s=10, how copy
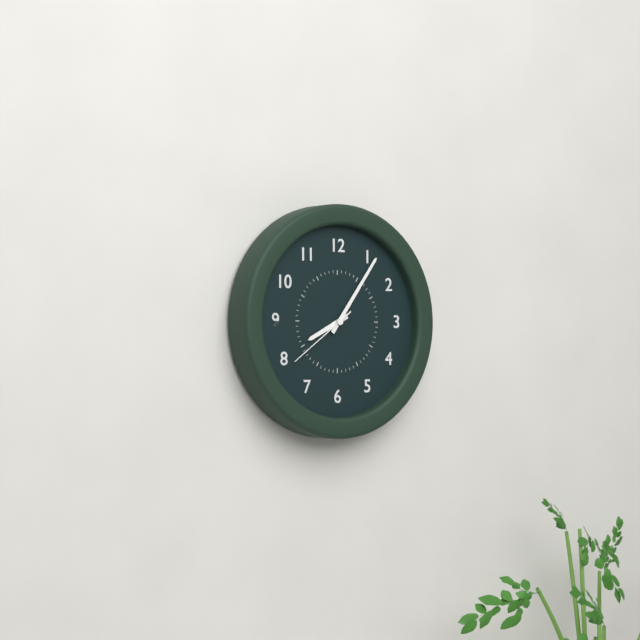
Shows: h=8 m=6 s=39
